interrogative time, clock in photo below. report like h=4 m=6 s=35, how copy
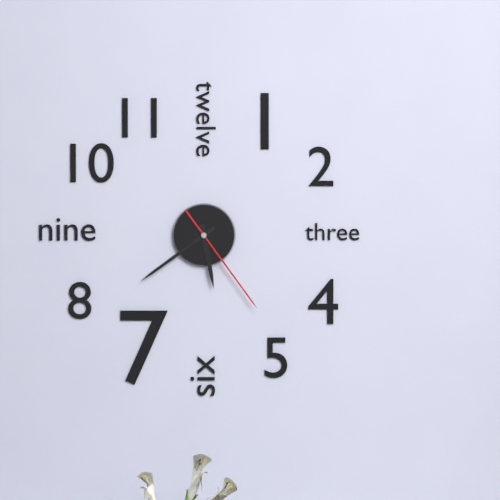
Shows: h=5 m=39 s=24
